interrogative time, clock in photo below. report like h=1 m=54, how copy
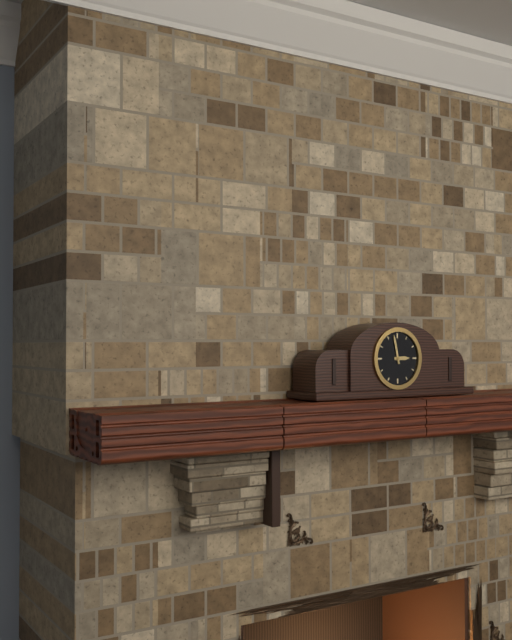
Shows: h=2 m=58
